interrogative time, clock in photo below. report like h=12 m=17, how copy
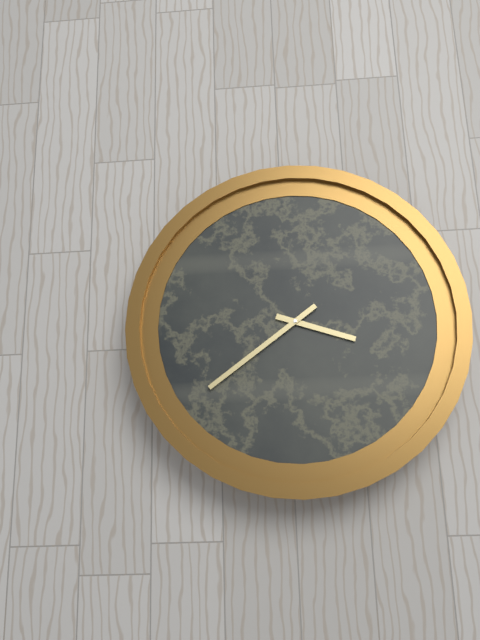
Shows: h=3 m=39
